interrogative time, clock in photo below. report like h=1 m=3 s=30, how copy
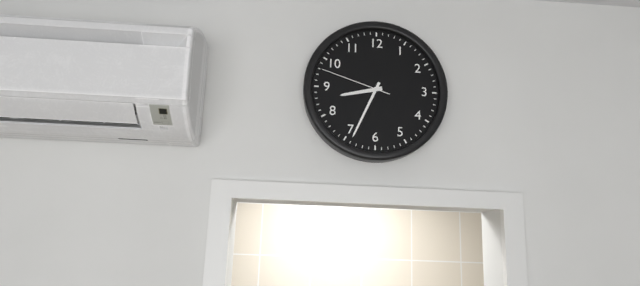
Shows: h=8 m=34 s=48
